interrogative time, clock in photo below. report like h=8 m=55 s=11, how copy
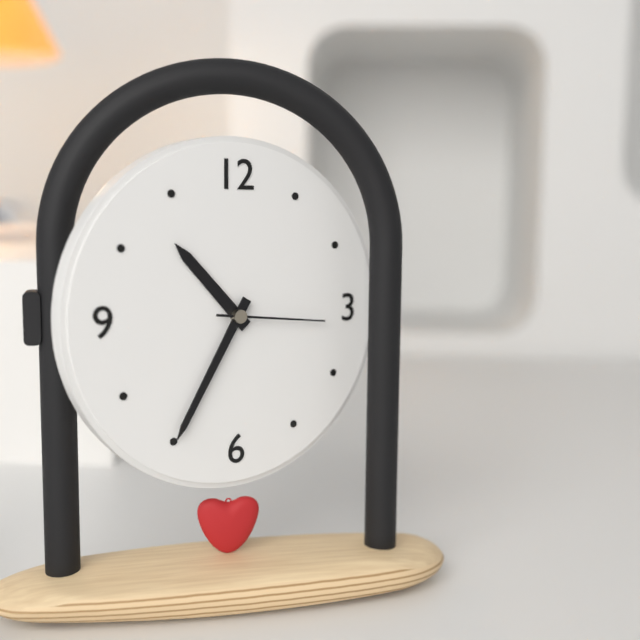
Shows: h=10 m=35 s=16
